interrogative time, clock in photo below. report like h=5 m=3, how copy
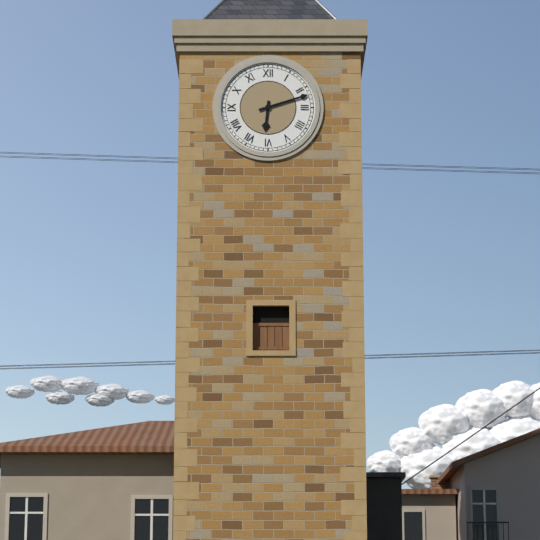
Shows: h=6 m=12
